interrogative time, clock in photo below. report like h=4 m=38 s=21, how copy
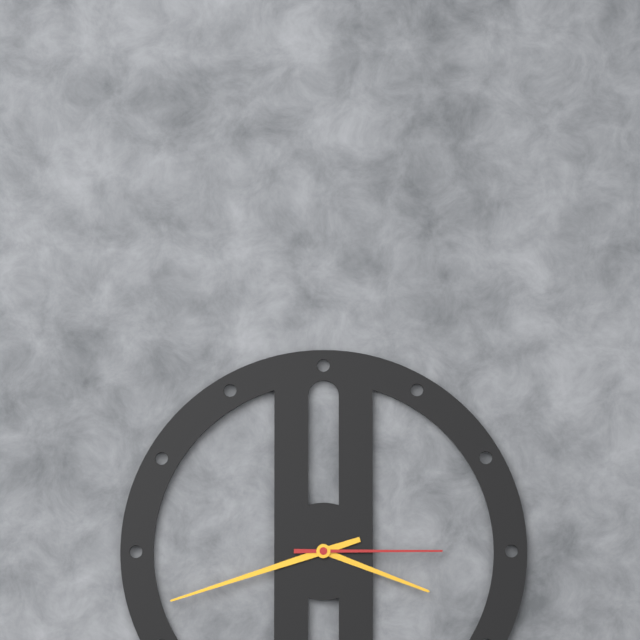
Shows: h=3 m=42 s=15
